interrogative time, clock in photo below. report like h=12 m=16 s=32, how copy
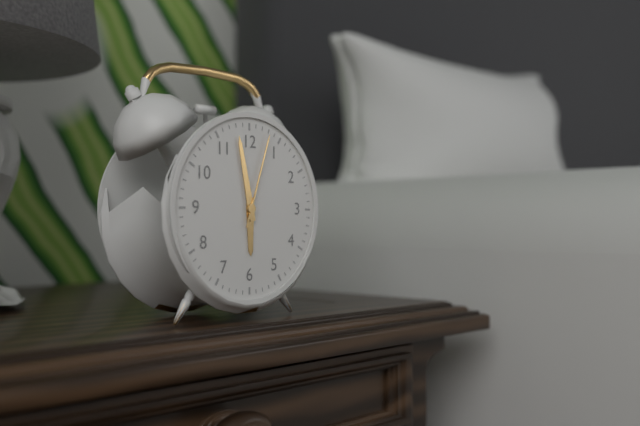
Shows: h=5 m=58 s=3
